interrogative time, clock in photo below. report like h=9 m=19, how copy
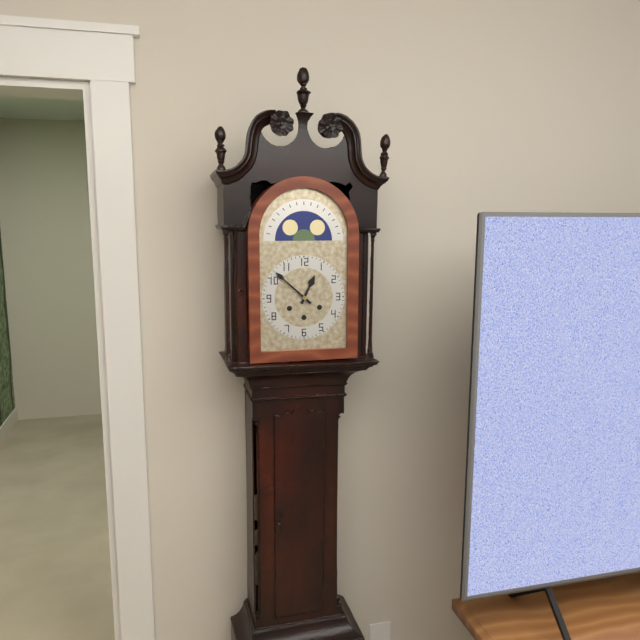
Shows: h=12 m=52
